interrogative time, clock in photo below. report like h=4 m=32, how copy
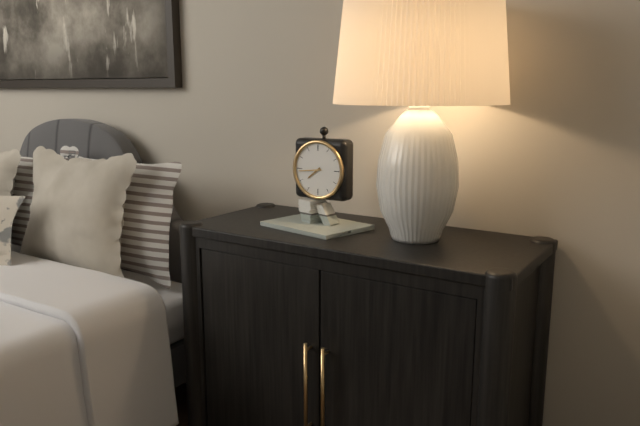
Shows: h=7 m=44
